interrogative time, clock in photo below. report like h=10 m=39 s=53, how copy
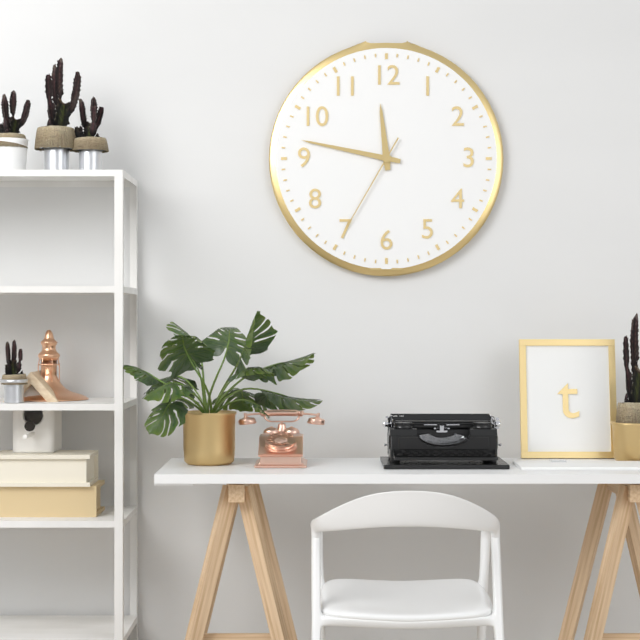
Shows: h=11 m=47 s=35
